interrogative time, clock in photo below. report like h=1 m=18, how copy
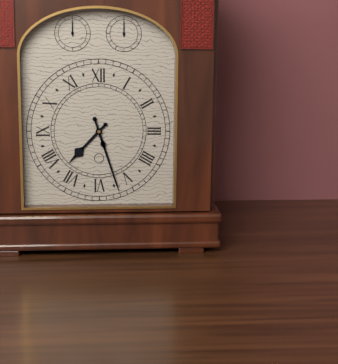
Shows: h=7 m=27
